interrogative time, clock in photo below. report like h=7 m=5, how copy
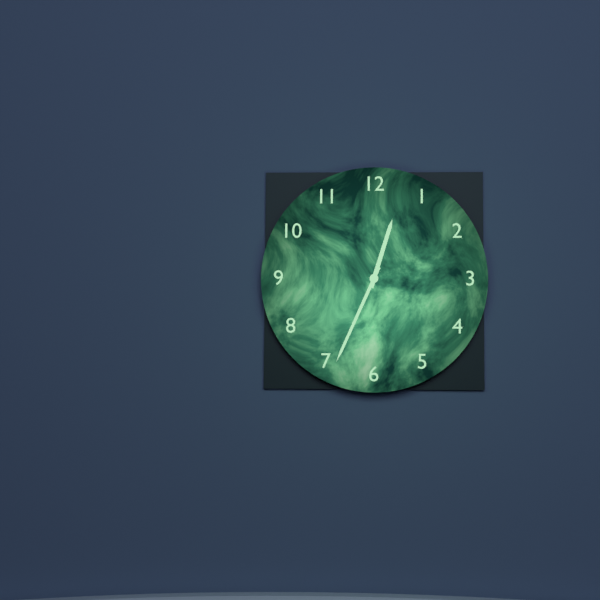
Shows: h=12 m=34
